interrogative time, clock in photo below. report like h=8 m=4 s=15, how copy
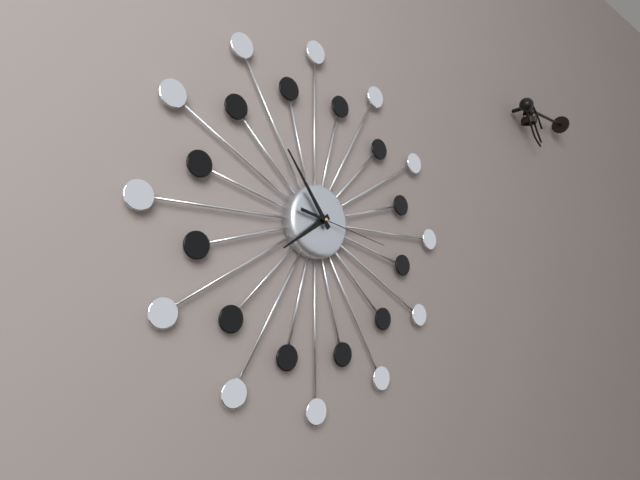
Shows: h=7 m=54 s=17
